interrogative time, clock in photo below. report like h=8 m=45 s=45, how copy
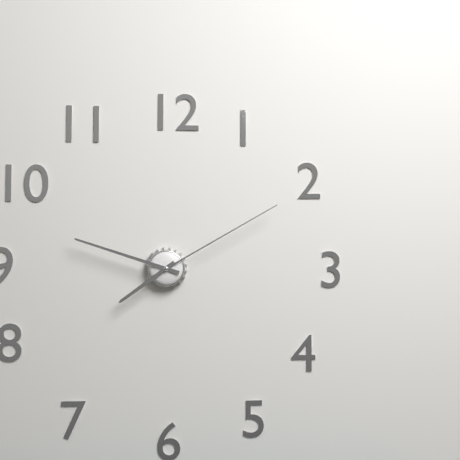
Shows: h=7 m=48 s=10
